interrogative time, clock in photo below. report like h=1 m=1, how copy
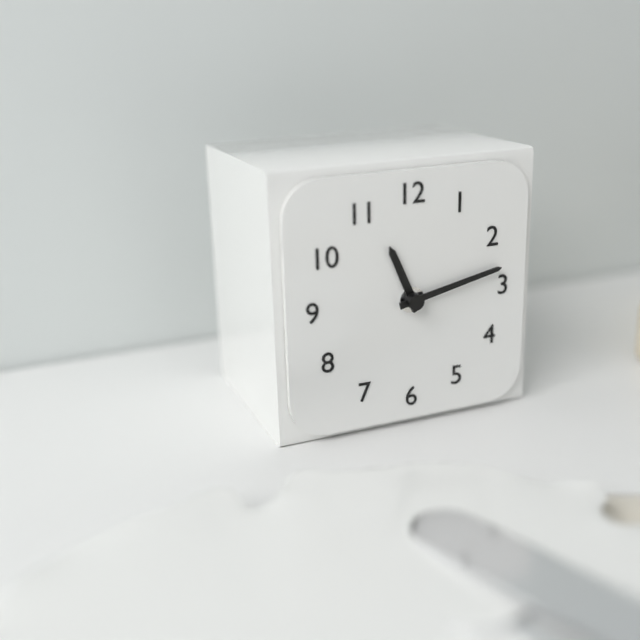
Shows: h=11 m=13
